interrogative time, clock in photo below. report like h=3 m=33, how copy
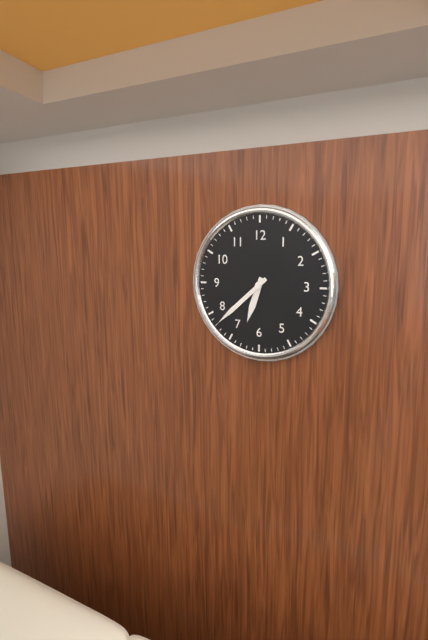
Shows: h=6 m=38
